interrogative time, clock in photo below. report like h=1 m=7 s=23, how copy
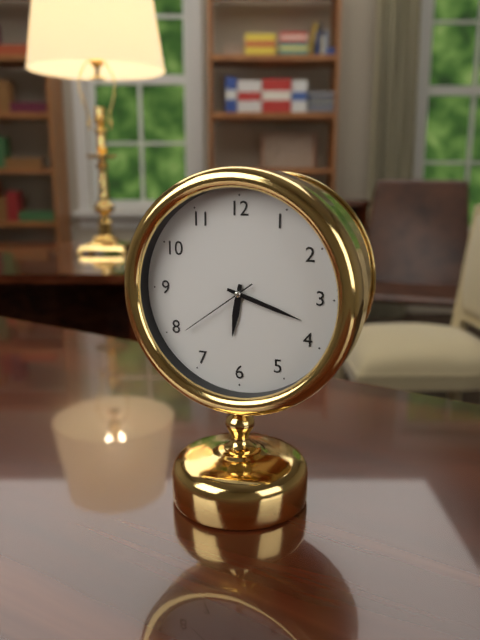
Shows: h=6 m=18 s=39
